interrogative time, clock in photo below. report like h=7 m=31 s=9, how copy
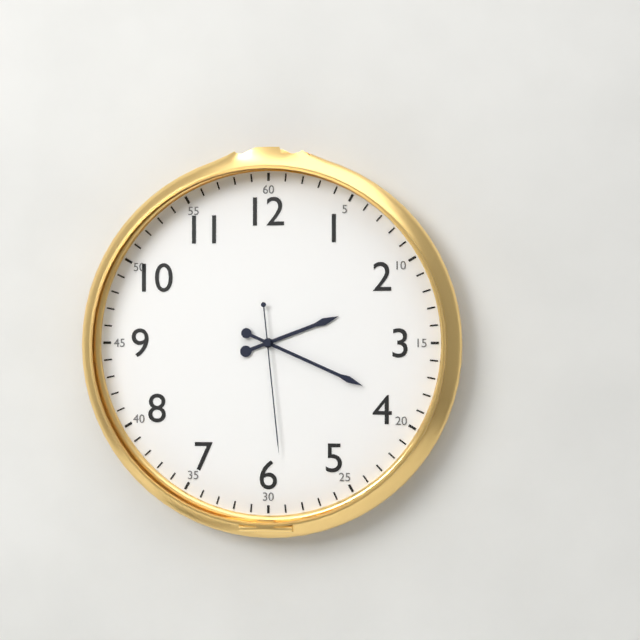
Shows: h=2 m=19 s=29
